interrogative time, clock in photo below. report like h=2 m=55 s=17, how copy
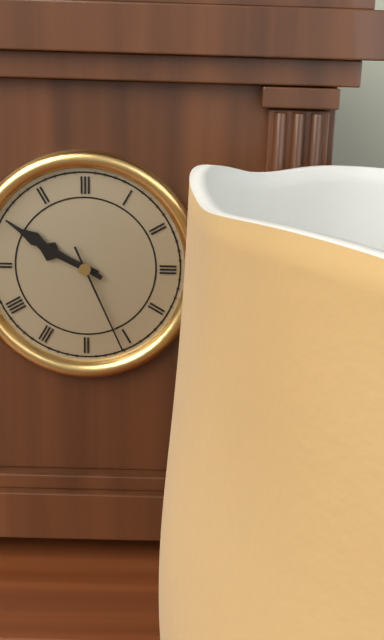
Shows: h=9 m=50 s=26
